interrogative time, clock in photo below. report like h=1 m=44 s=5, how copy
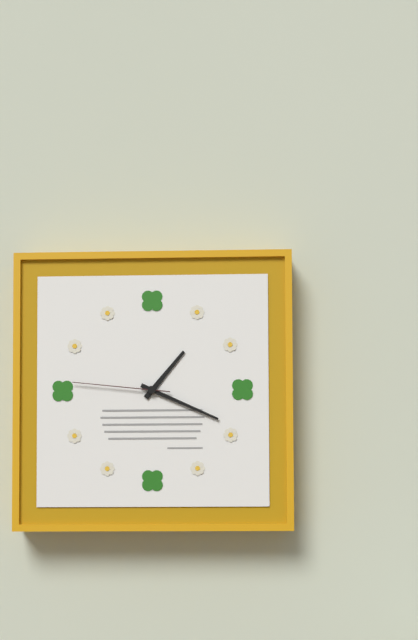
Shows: h=1 m=19 s=46
